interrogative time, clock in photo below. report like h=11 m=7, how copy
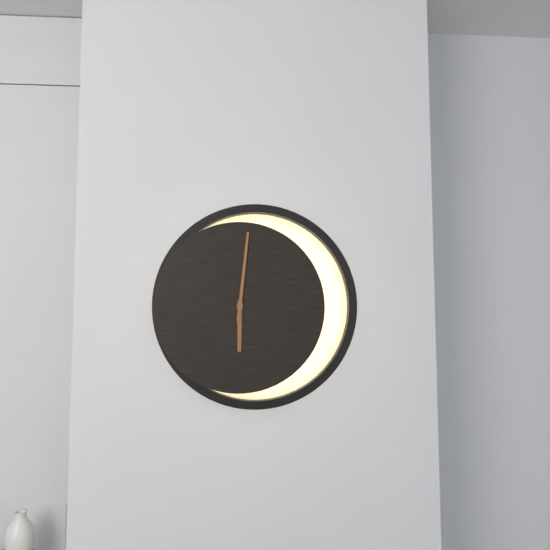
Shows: h=6 m=1
